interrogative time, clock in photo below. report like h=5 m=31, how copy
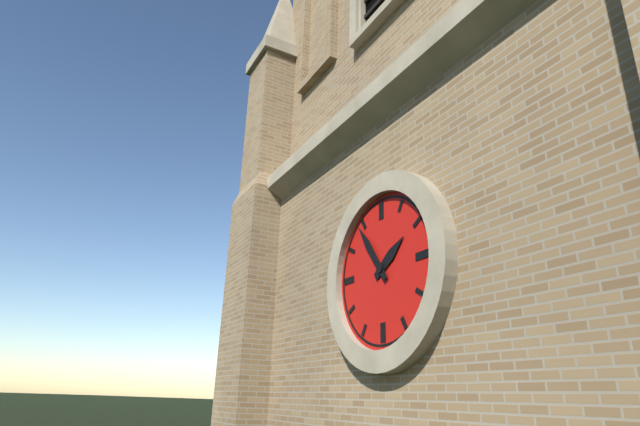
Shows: h=1 m=54
